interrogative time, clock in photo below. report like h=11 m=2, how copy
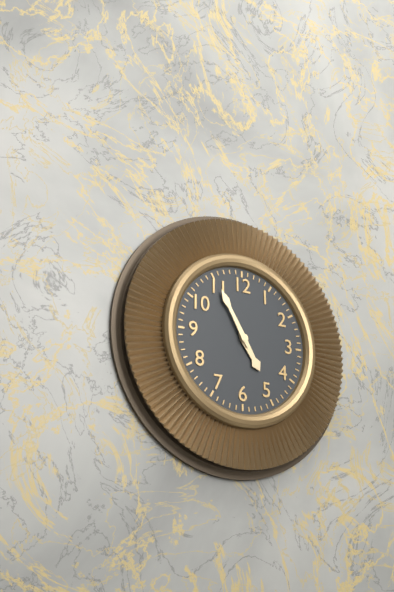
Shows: h=4 m=55
